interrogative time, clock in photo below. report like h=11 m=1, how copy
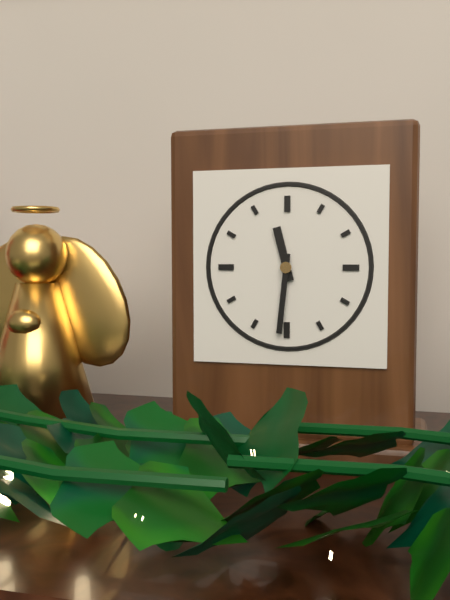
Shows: h=11 m=31
